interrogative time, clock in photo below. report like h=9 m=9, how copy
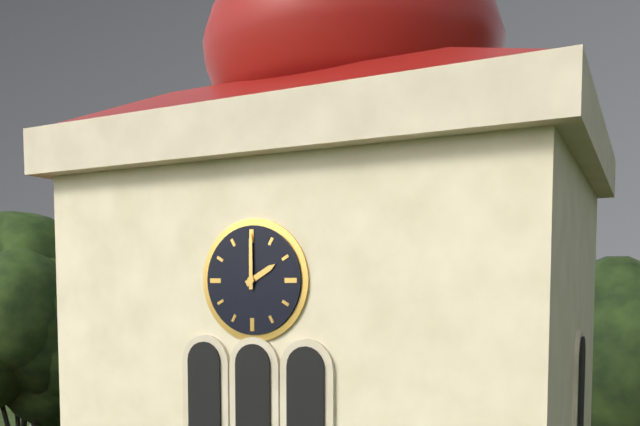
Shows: h=2 m=0
